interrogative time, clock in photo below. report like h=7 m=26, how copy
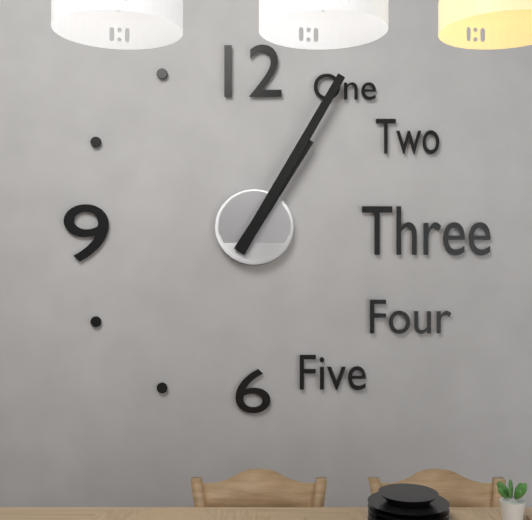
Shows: h=1 m=5
